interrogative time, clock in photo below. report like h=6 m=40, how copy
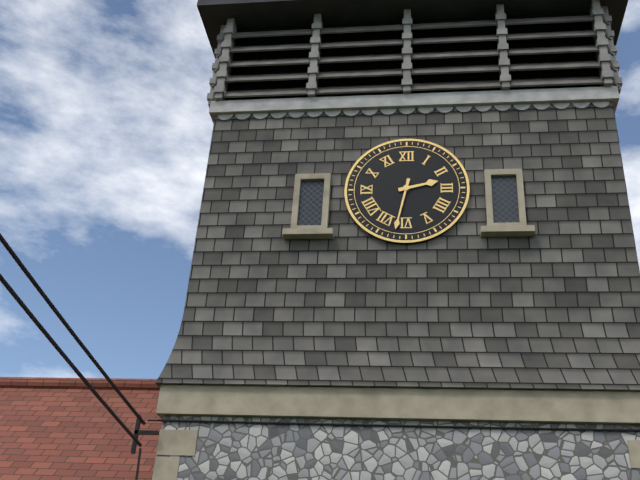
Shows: h=2 m=32
